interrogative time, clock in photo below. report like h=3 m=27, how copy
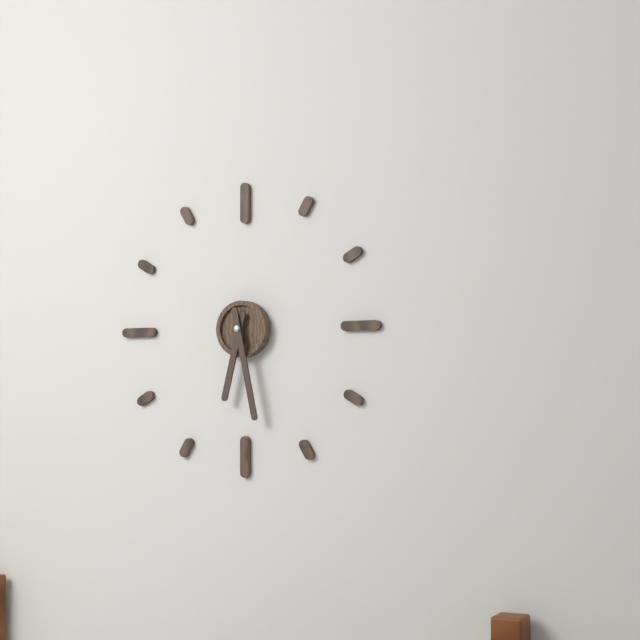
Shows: h=6 m=28
